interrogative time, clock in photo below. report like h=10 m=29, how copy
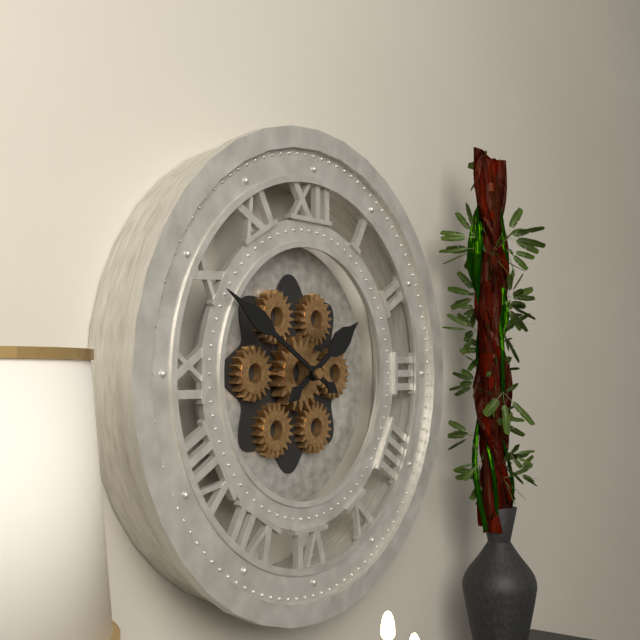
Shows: h=1 m=50
